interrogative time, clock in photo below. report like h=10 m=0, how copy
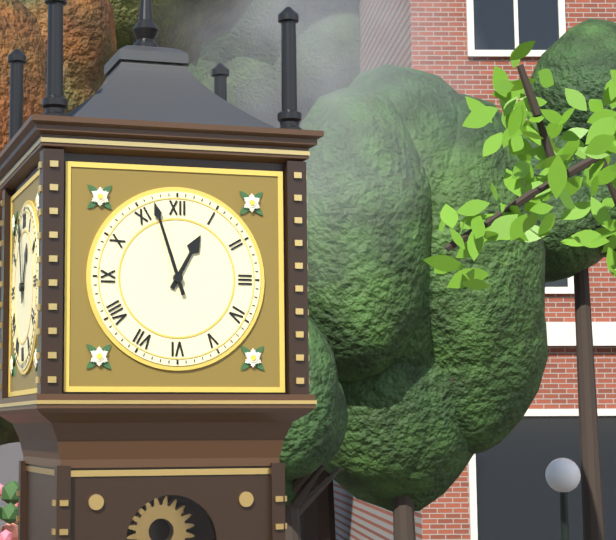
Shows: h=12 m=57
